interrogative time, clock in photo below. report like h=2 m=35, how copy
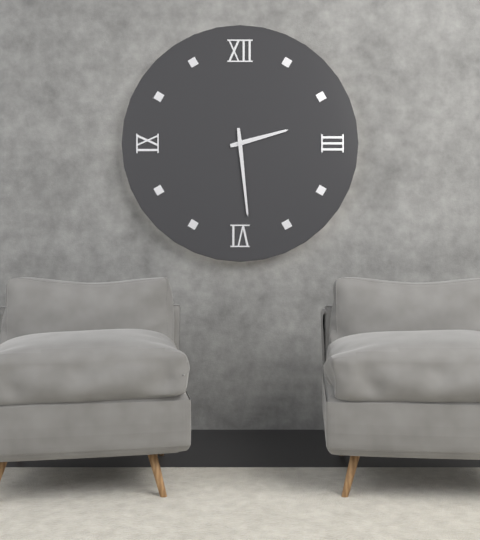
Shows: h=2 m=29
